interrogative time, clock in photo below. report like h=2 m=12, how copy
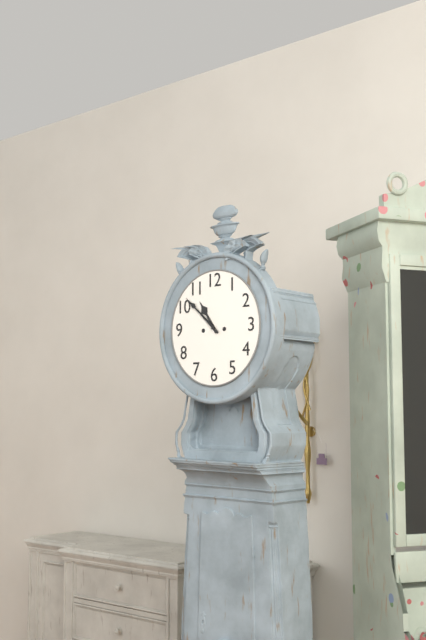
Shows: h=10 m=52
